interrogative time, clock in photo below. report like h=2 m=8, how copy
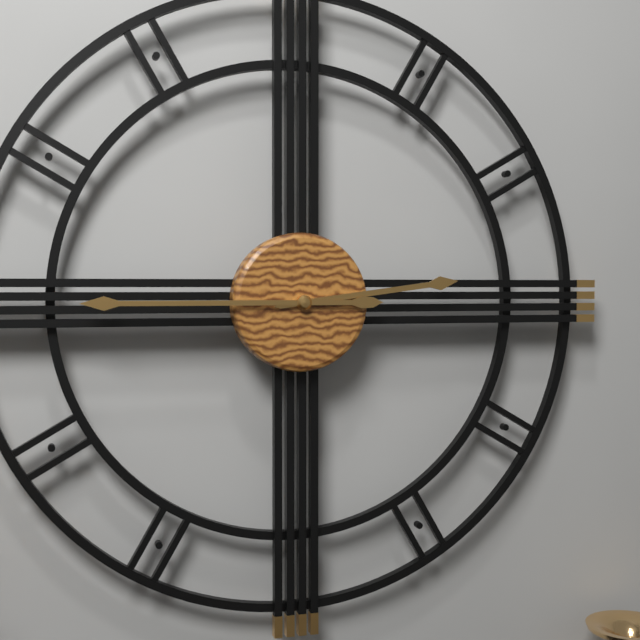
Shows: h=2 m=45
